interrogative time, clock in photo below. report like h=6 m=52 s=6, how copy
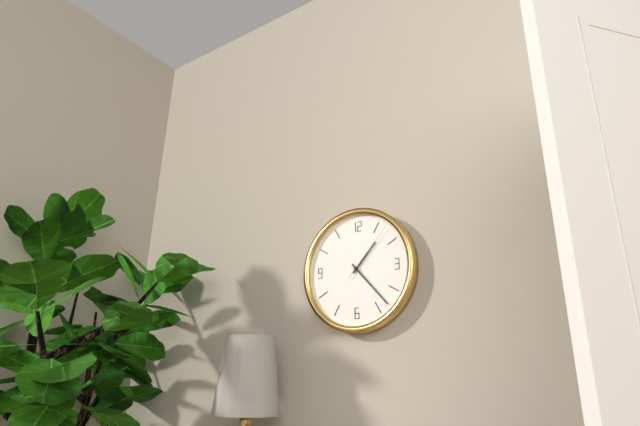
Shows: h=1 m=23 s=7
